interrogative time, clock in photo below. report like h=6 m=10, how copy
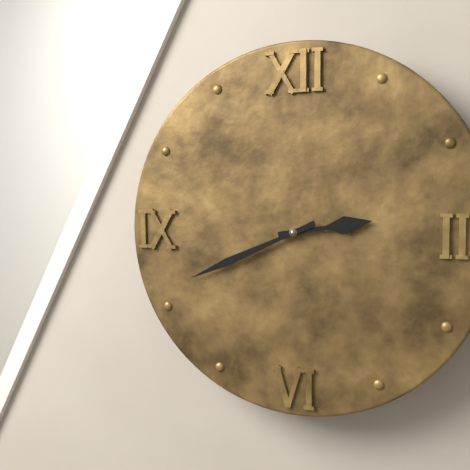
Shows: h=2 m=41
